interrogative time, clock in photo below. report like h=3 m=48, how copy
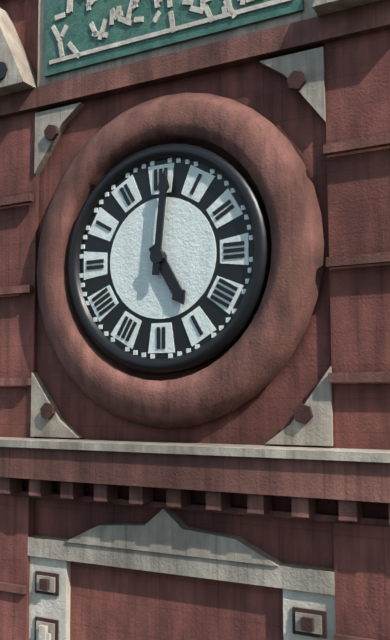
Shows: h=5 m=1
